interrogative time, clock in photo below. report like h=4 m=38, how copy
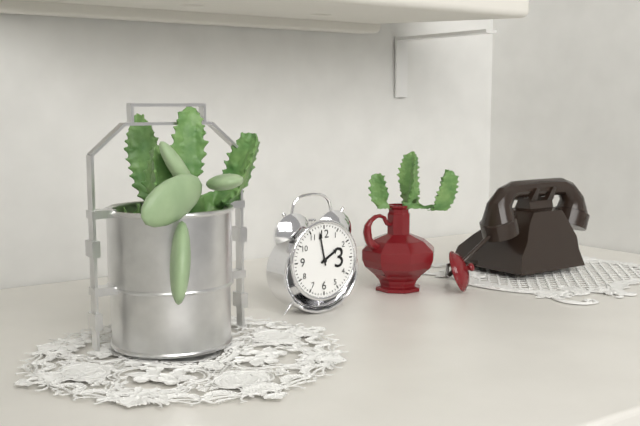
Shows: h=1 m=58
